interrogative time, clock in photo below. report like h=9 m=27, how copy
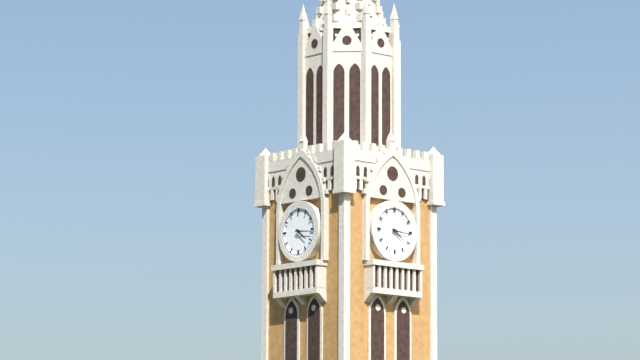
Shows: h=4 m=16
